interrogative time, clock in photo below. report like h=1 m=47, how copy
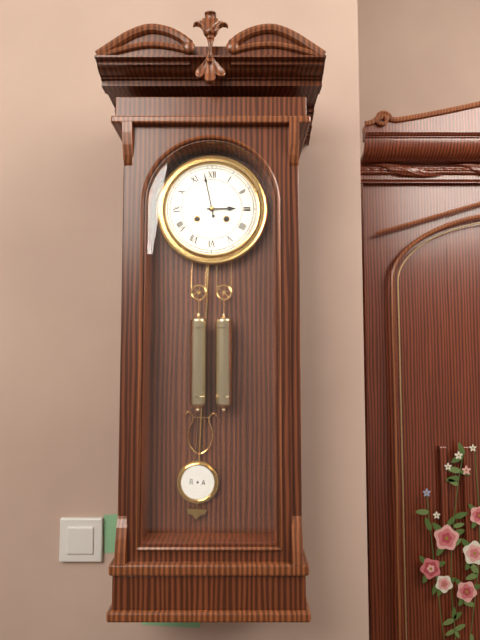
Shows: h=2 m=58
